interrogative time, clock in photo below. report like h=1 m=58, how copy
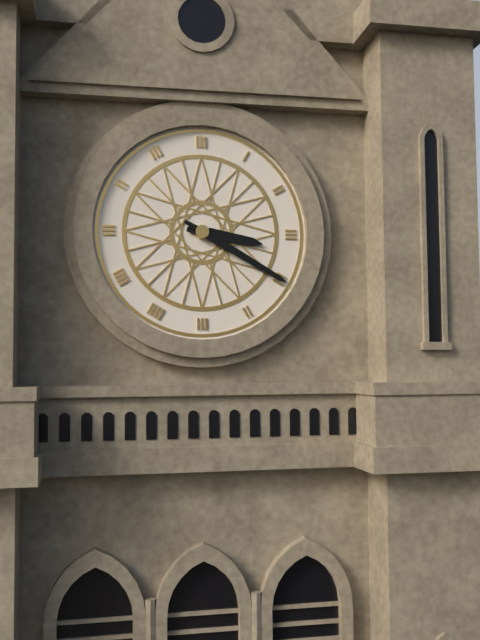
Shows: h=3 m=20
